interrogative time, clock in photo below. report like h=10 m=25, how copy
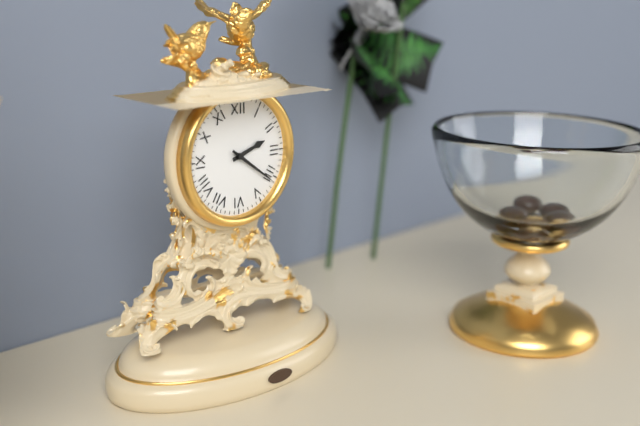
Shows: h=2 m=21
